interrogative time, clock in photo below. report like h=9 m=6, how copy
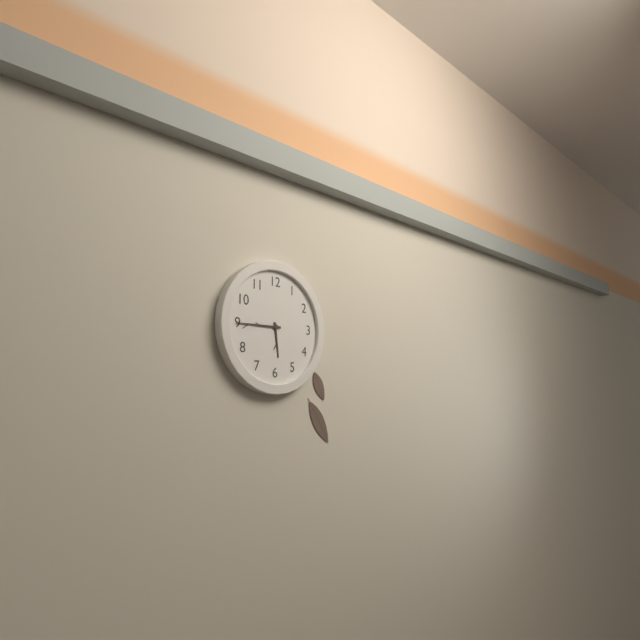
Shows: h=5 m=45
